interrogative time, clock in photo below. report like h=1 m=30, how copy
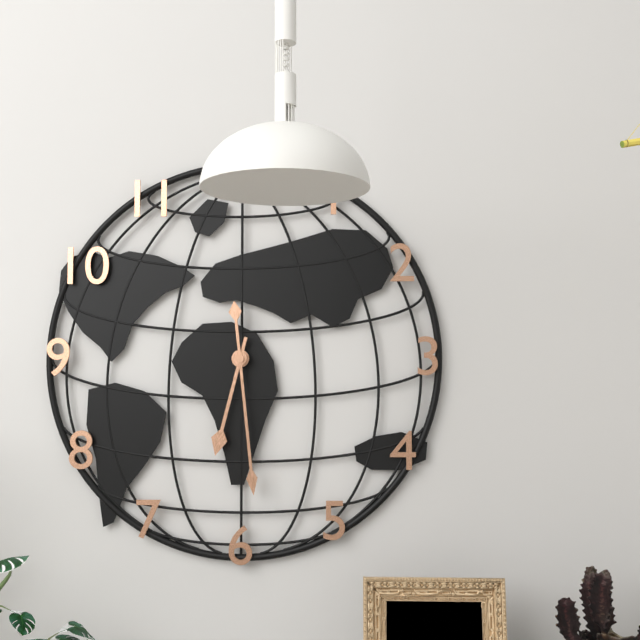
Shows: h=6 m=29
